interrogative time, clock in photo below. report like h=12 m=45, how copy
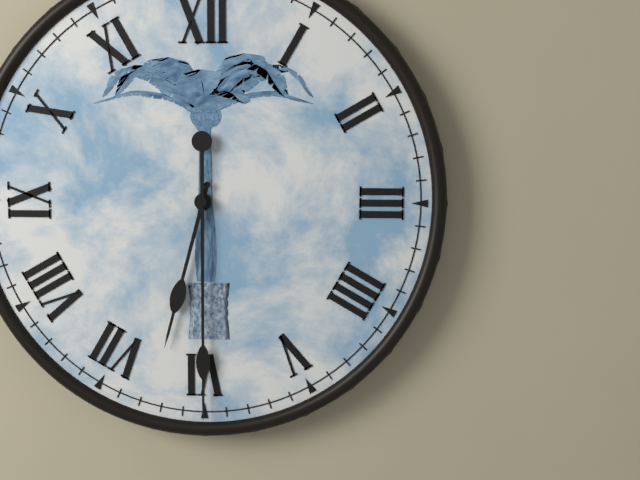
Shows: h=6 m=30
